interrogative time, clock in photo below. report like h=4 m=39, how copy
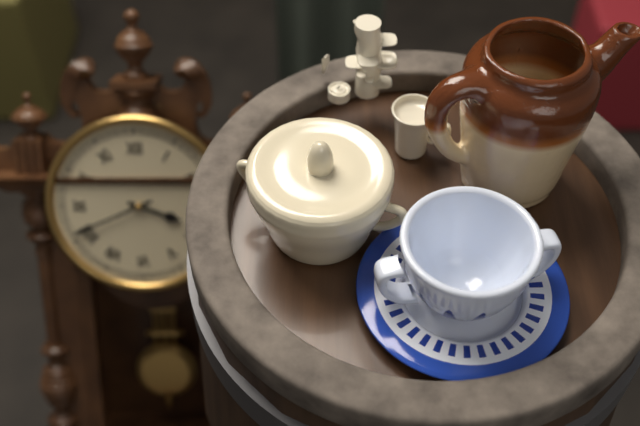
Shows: h=3 m=41
